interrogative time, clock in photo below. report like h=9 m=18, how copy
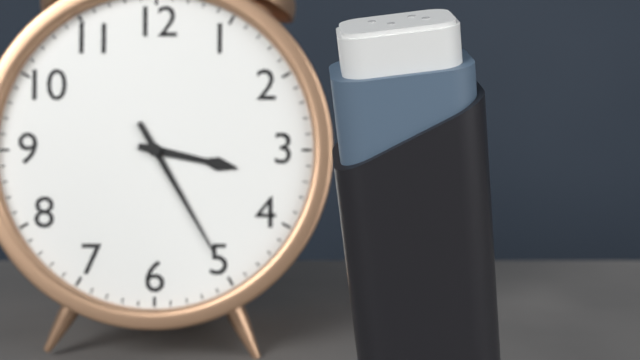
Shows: h=3 m=25
